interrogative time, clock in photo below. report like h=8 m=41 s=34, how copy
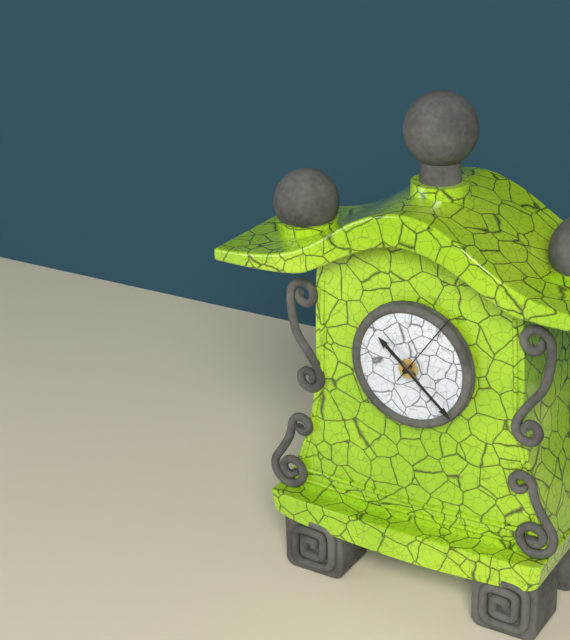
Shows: h=10 m=22 s=6
